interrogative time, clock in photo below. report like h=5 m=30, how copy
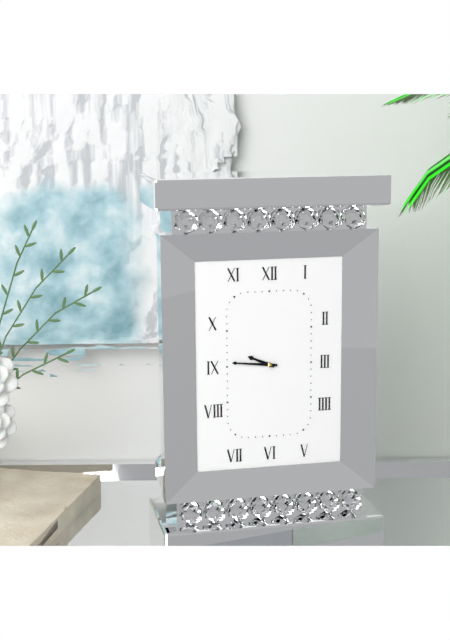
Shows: h=9 m=46
